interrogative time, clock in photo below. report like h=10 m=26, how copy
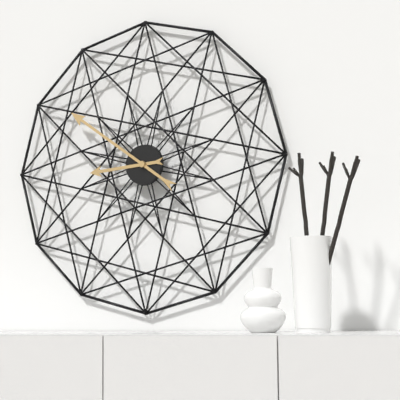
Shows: h=8 m=51
